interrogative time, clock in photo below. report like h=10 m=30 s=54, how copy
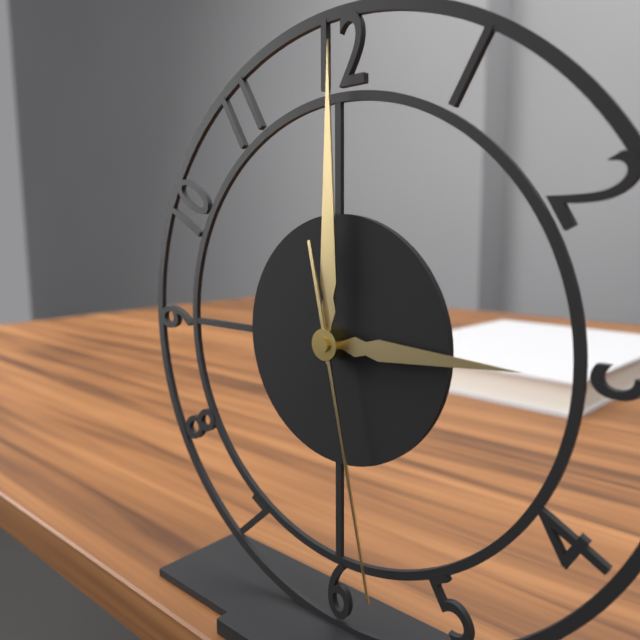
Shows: h=3 m=0 s=28
